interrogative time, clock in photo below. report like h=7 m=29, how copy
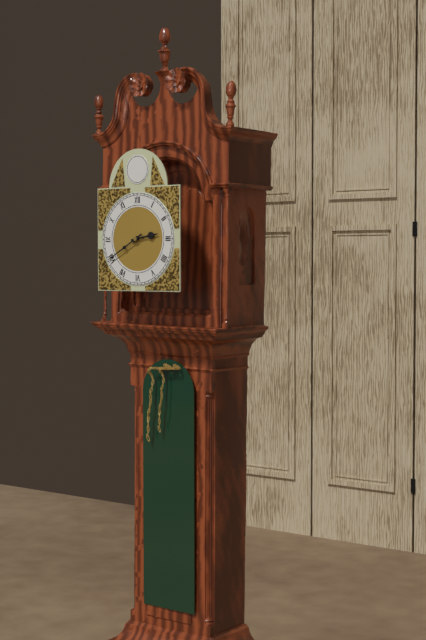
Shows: h=2 m=40
